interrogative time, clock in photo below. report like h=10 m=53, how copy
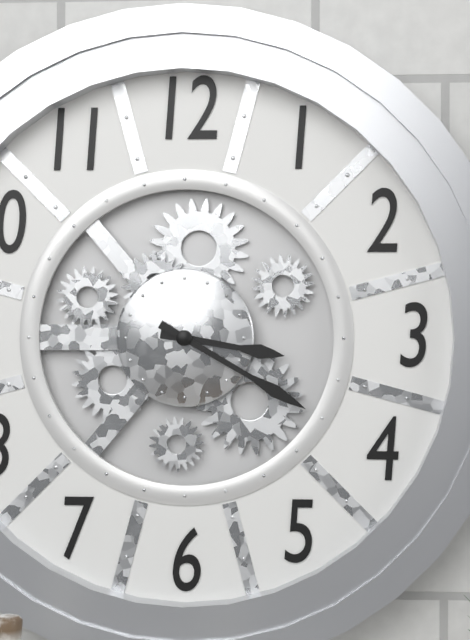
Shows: h=3 m=20
